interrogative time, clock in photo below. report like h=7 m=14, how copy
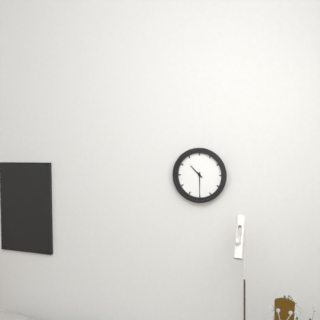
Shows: h=10 m=30
